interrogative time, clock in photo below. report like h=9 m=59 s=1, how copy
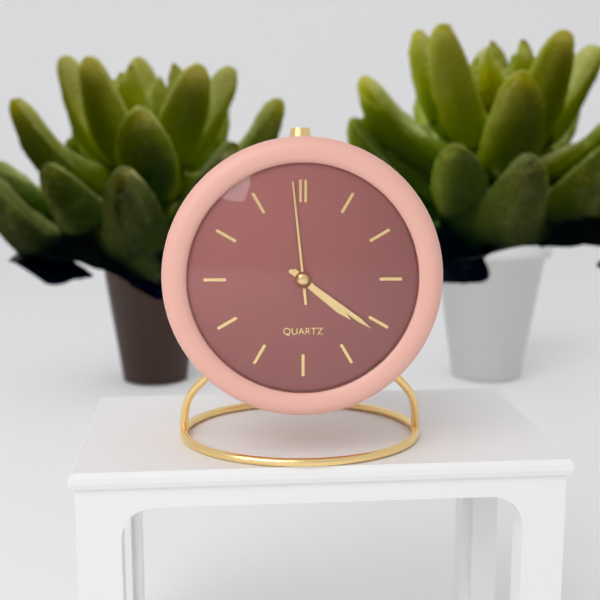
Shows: h=4 m=21 s=59
